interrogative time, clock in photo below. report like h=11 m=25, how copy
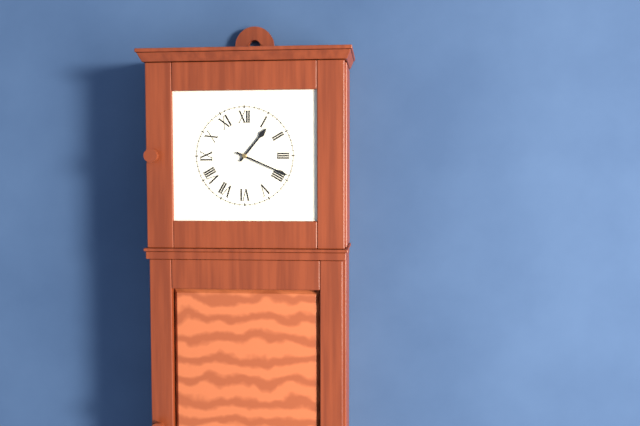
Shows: h=1 m=19
